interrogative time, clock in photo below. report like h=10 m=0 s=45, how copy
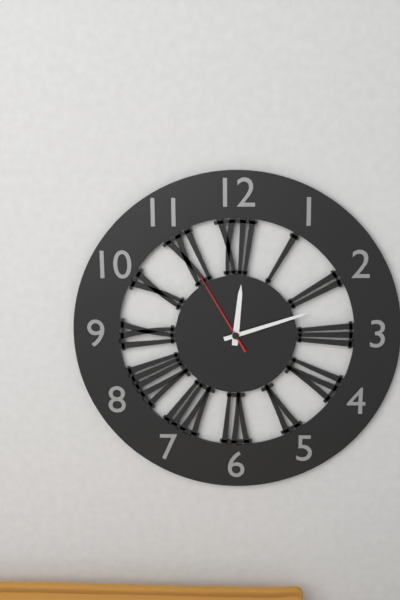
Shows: h=12 m=12 s=55
